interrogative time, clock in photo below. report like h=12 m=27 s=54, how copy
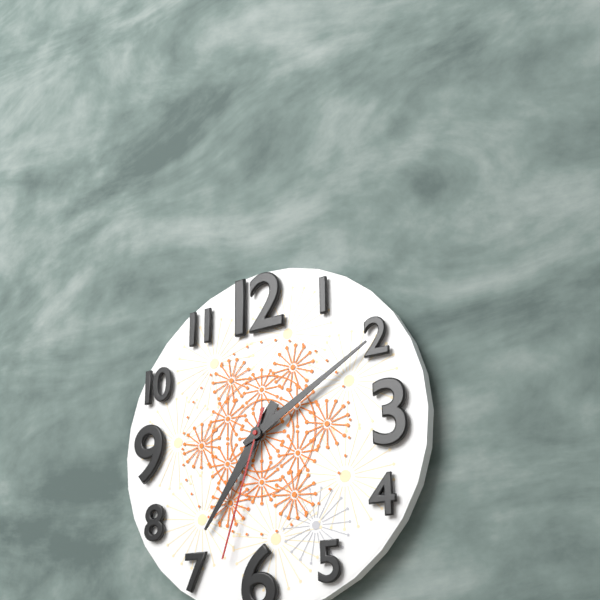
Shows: h=7 m=10 s=33
